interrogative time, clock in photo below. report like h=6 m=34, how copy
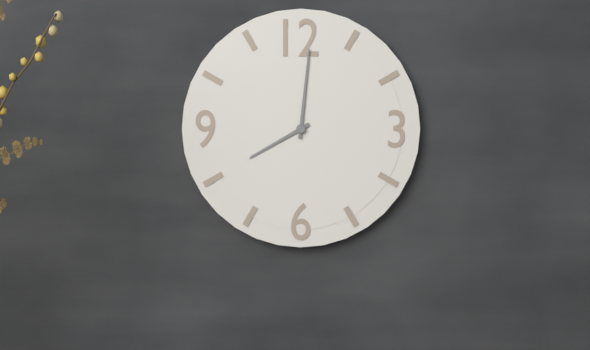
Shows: h=8 m=1
